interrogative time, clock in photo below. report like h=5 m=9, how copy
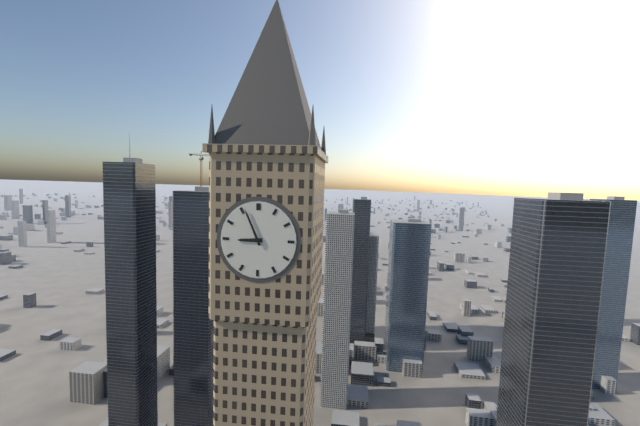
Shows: h=8 m=56
